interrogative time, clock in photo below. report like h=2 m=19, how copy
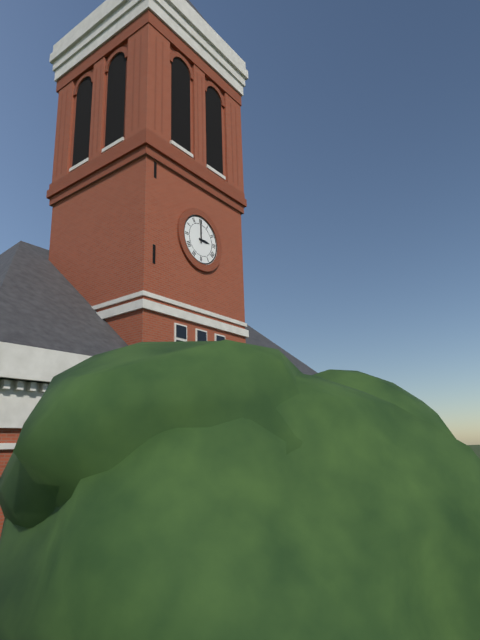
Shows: h=3 m=0
